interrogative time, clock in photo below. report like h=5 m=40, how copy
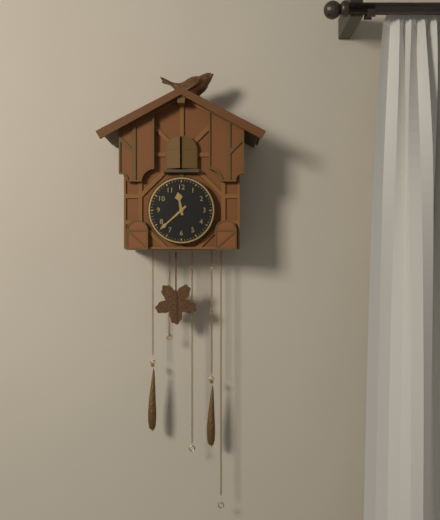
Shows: h=11 m=38
